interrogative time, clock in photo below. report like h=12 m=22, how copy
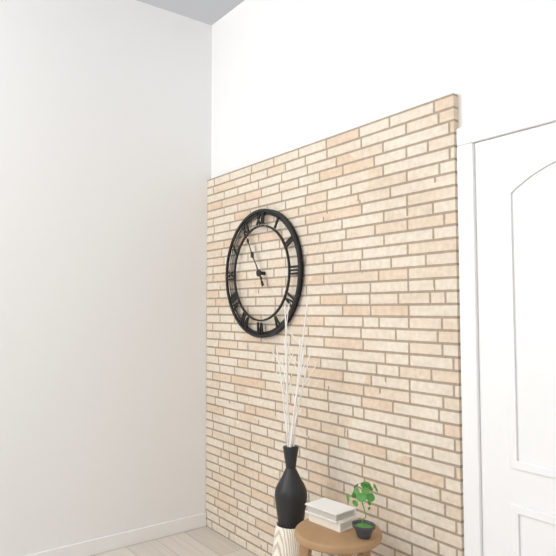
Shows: h=10 m=55
